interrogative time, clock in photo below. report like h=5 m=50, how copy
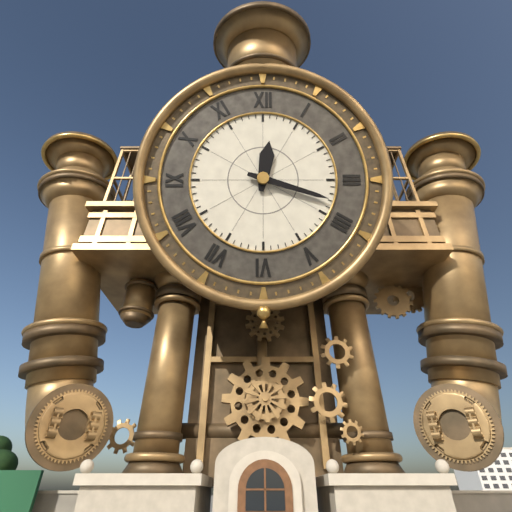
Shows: h=12 m=18
